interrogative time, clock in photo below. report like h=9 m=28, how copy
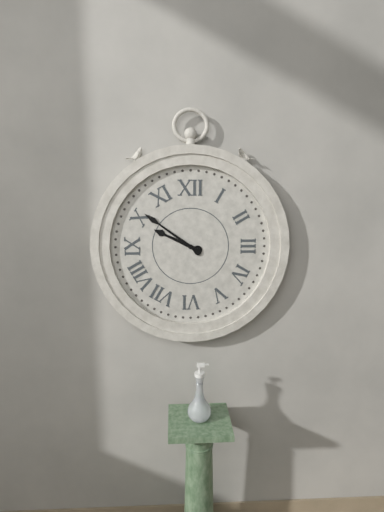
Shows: h=9 m=51
